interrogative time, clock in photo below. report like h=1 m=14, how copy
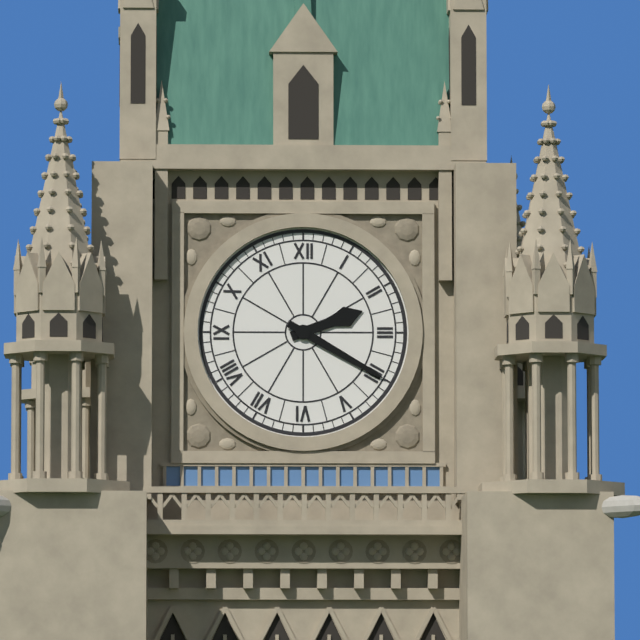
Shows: h=2 m=20
